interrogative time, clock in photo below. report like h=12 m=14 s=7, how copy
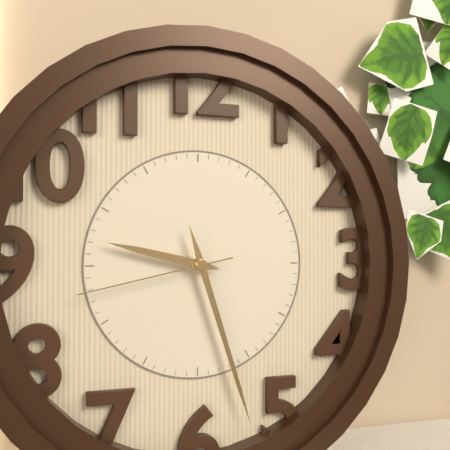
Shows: h=9 m=27 s=43
